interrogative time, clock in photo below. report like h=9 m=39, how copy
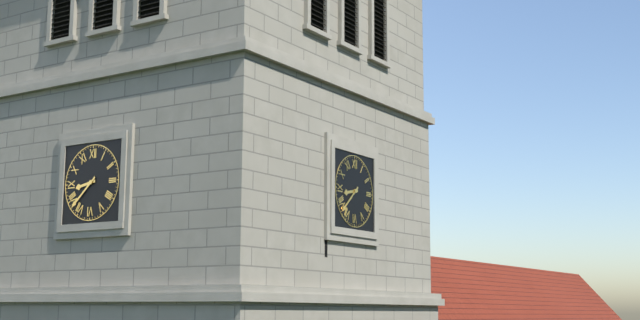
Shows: h=8 m=38
